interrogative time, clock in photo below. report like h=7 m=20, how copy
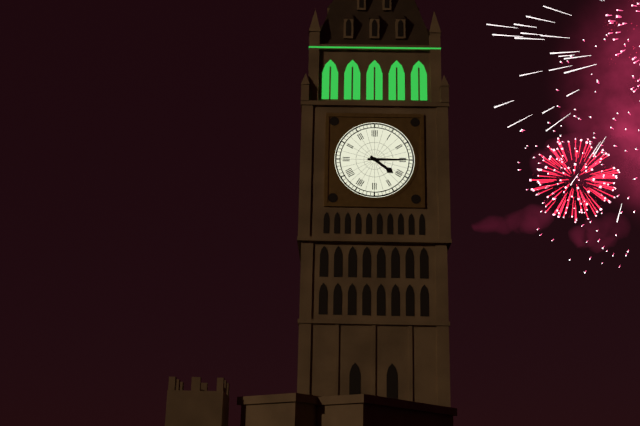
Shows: h=4 m=15
